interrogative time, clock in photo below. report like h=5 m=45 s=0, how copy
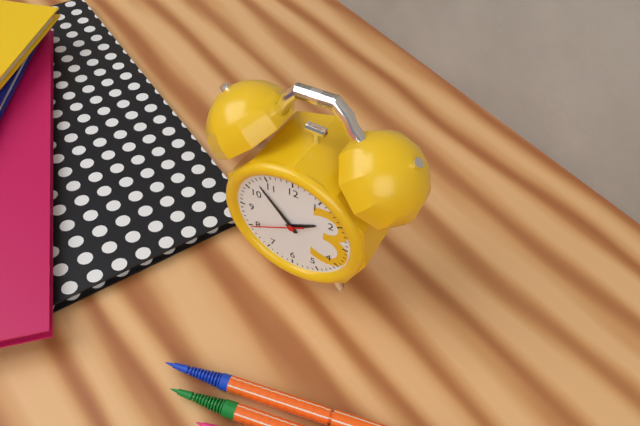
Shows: h=1 m=53 s=40
